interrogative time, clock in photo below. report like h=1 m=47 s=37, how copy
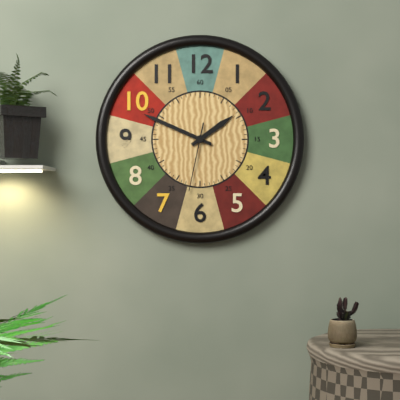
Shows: h=1 m=49 s=32
